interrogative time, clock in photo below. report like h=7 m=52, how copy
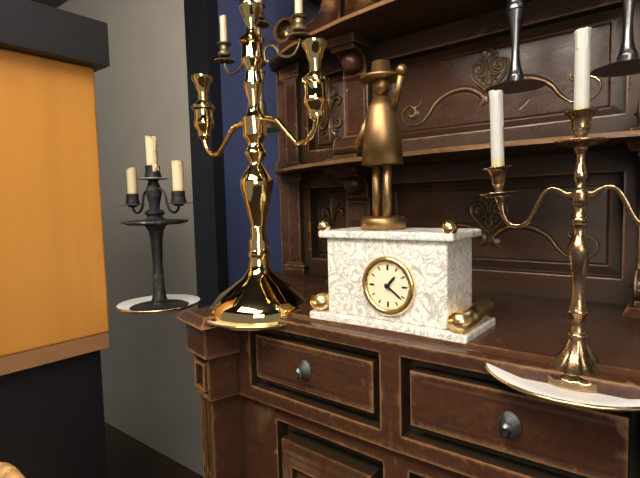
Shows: h=1 m=21
